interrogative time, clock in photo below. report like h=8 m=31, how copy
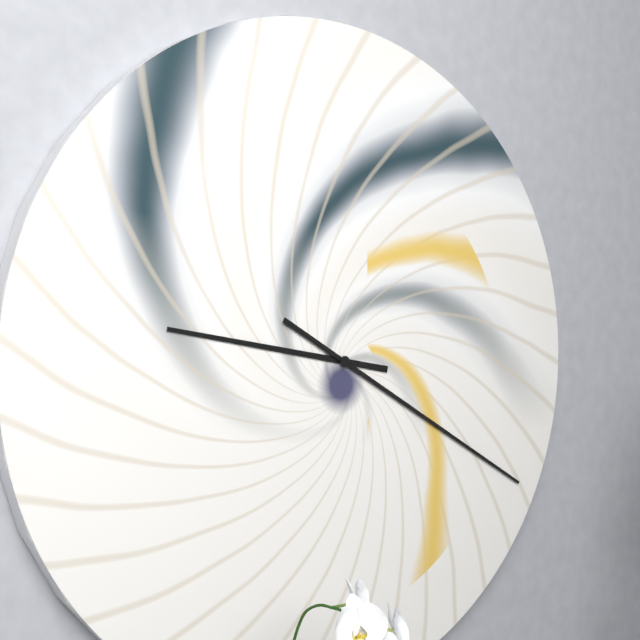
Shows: h=9 m=20
